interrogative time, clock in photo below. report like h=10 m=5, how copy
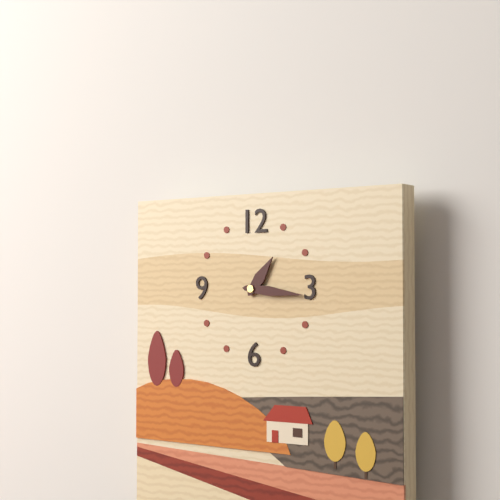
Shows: h=1 m=16
